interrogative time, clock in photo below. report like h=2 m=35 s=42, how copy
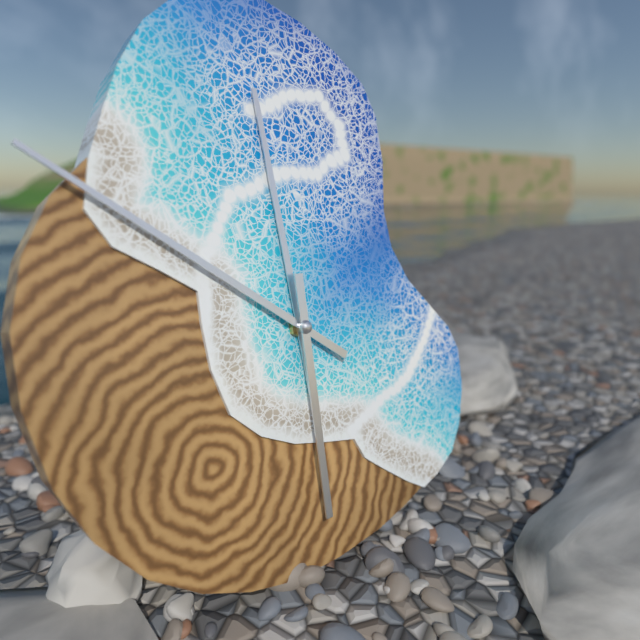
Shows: h=11 m=51 s=30
